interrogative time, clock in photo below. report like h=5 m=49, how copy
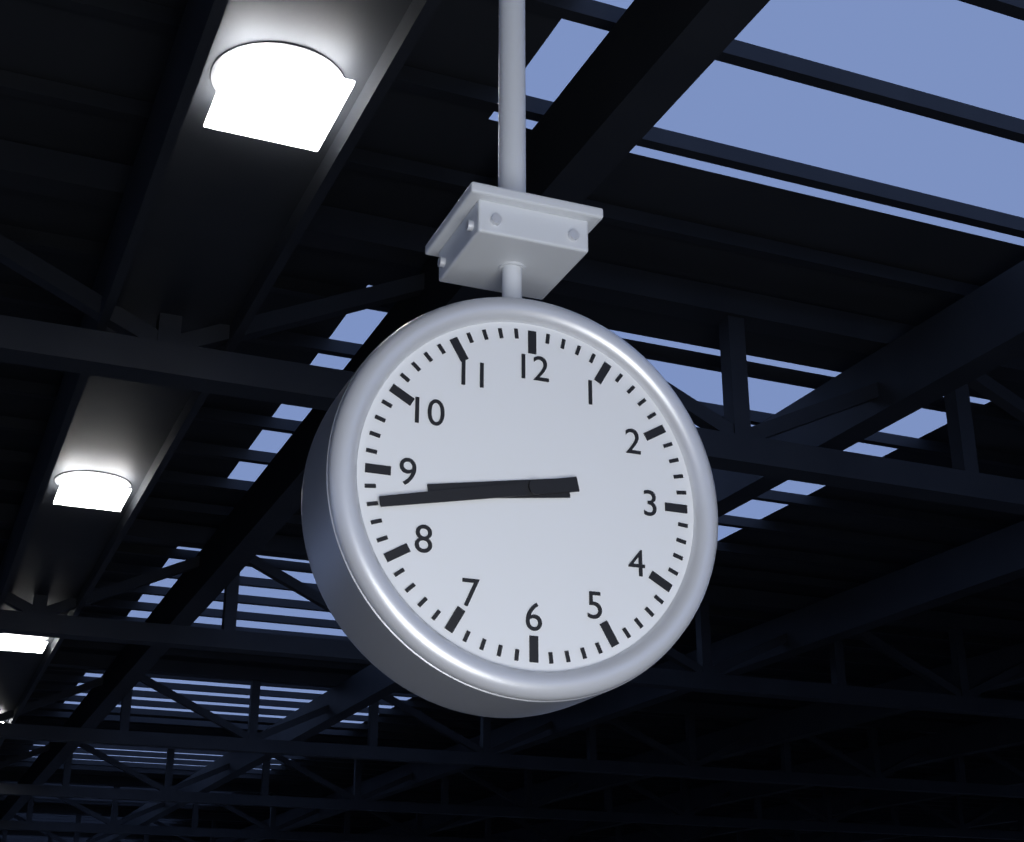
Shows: h=8 m=43
